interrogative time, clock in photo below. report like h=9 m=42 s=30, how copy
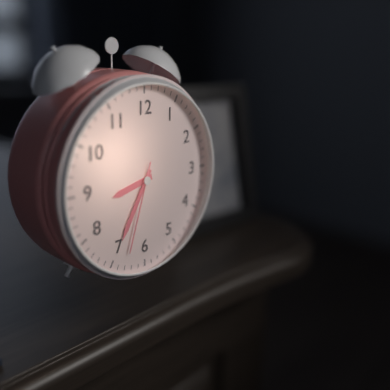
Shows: h=8 m=35 s=33
